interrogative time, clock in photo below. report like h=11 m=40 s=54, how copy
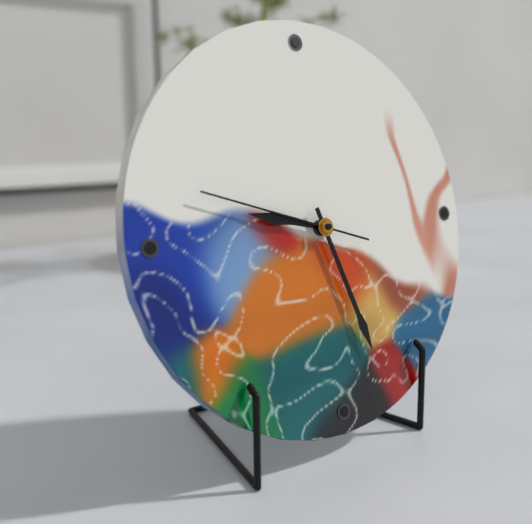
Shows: h=9 m=27 s=48
